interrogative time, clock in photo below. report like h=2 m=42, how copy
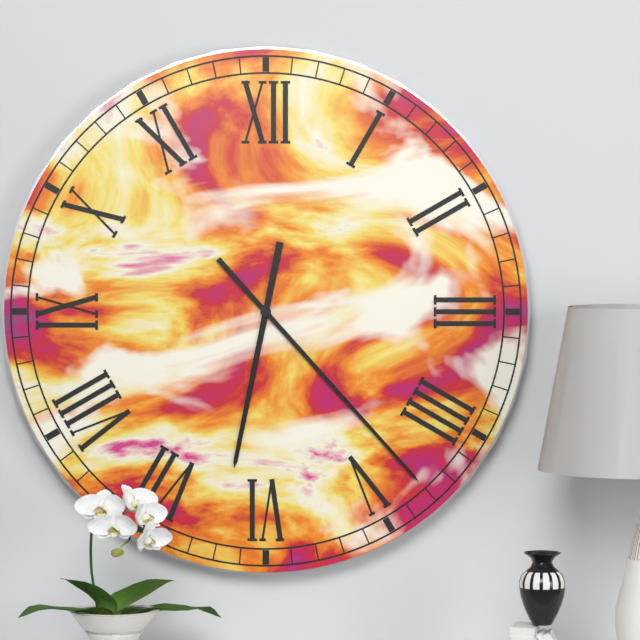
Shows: h=6 m=23
